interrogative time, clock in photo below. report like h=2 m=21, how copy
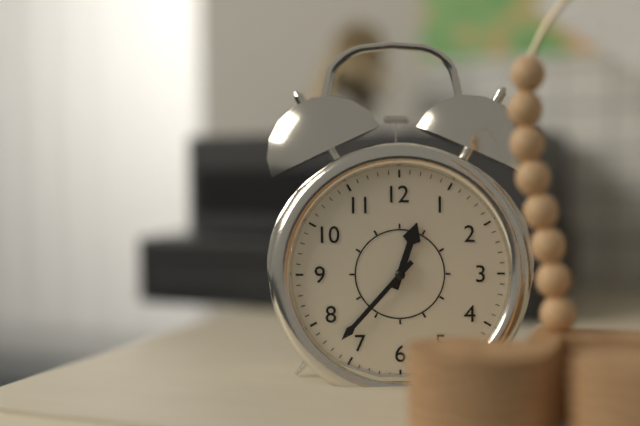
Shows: h=12 m=37
